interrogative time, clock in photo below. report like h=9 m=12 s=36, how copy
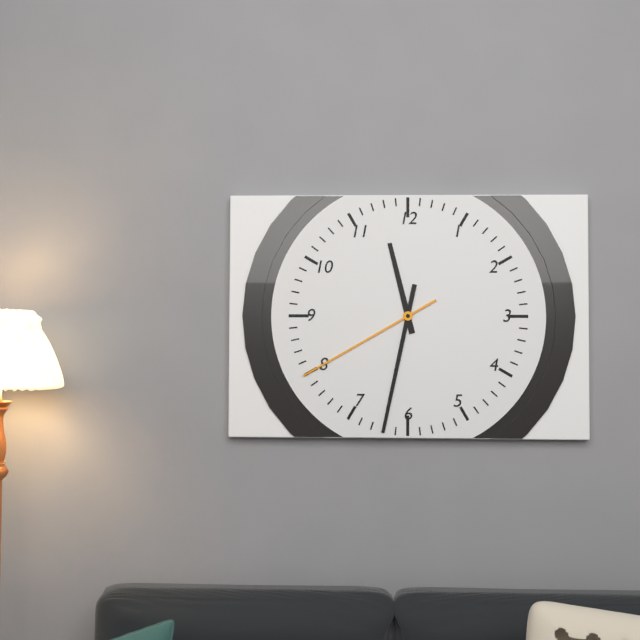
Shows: h=11 m=32 s=40
